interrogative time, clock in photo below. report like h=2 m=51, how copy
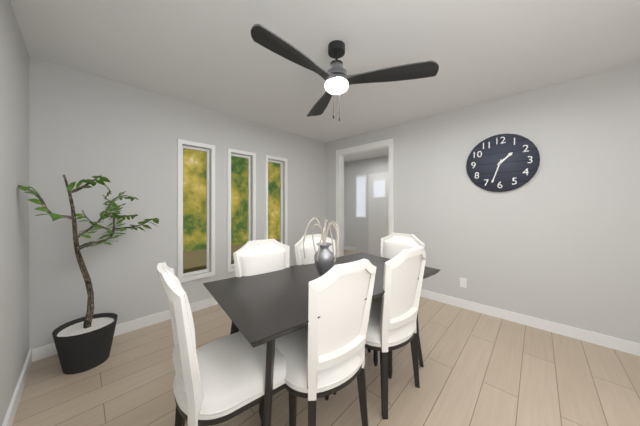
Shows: h=1 m=33
